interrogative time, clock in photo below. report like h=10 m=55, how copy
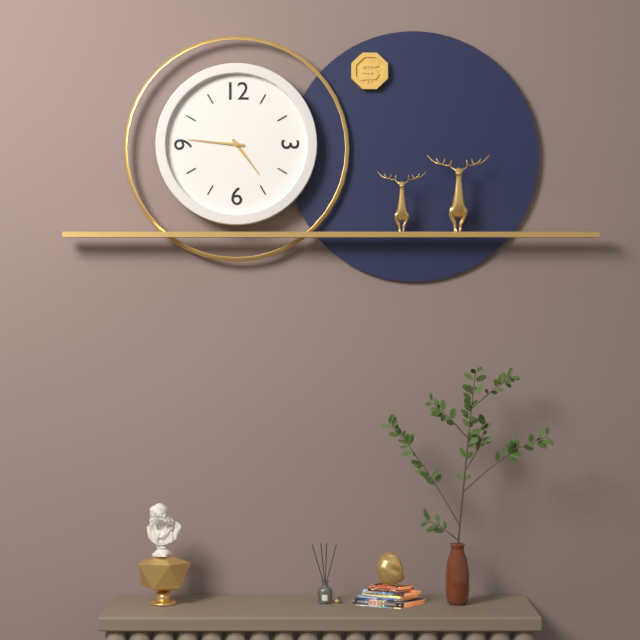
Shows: h=4 m=46
